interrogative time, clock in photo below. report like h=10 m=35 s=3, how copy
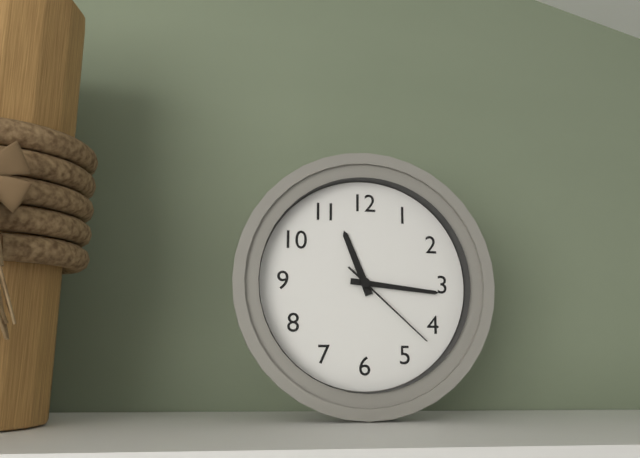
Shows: h=11 m=16 s=22
